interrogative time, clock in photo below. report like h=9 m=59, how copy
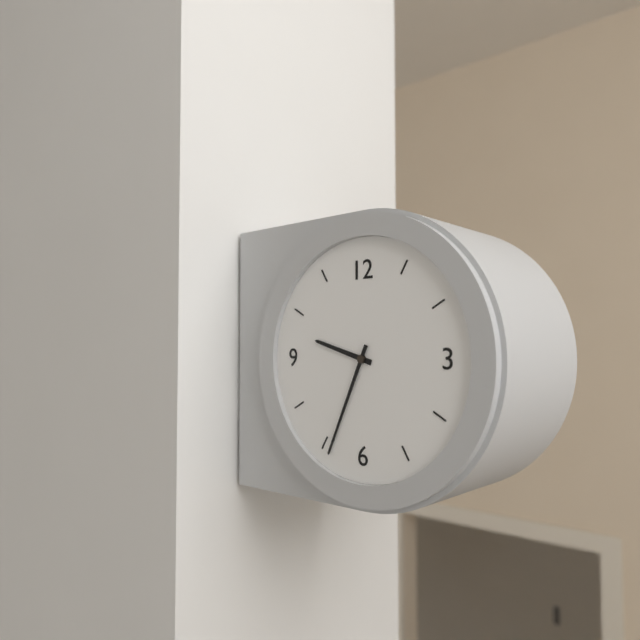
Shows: h=9 m=34
